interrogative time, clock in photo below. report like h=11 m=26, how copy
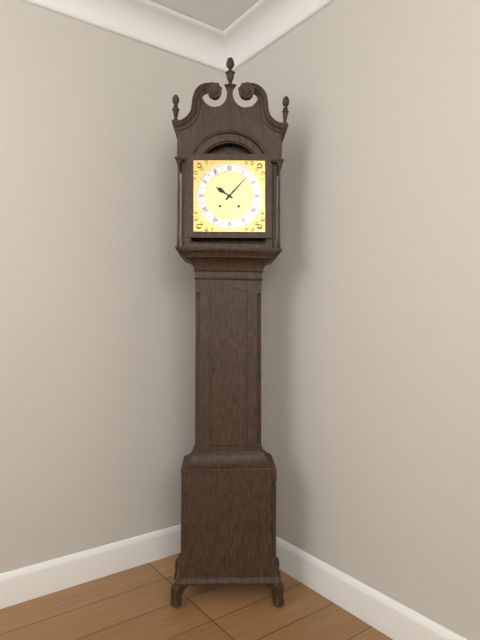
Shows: h=10 m=7
